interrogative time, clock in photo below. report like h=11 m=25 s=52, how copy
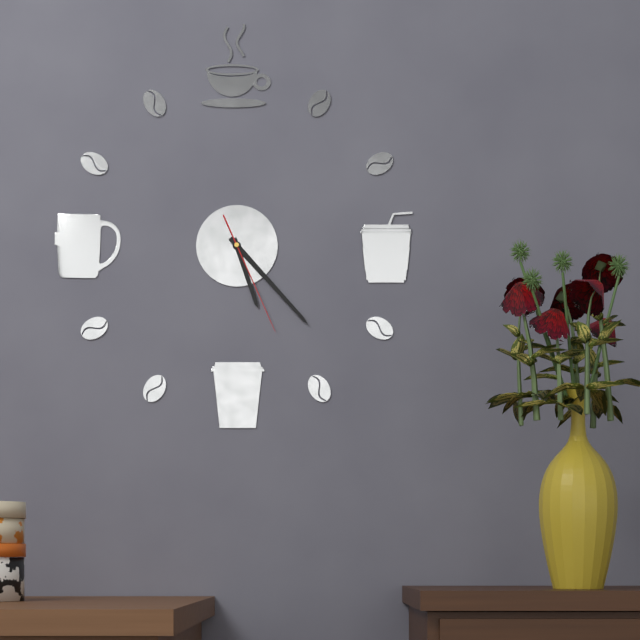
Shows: h=5 m=23 s=26
